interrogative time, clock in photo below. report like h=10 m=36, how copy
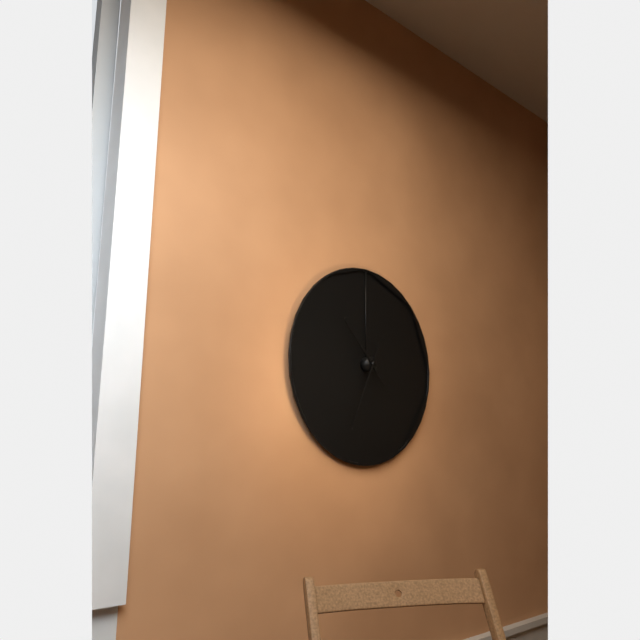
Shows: h=10 m=34
